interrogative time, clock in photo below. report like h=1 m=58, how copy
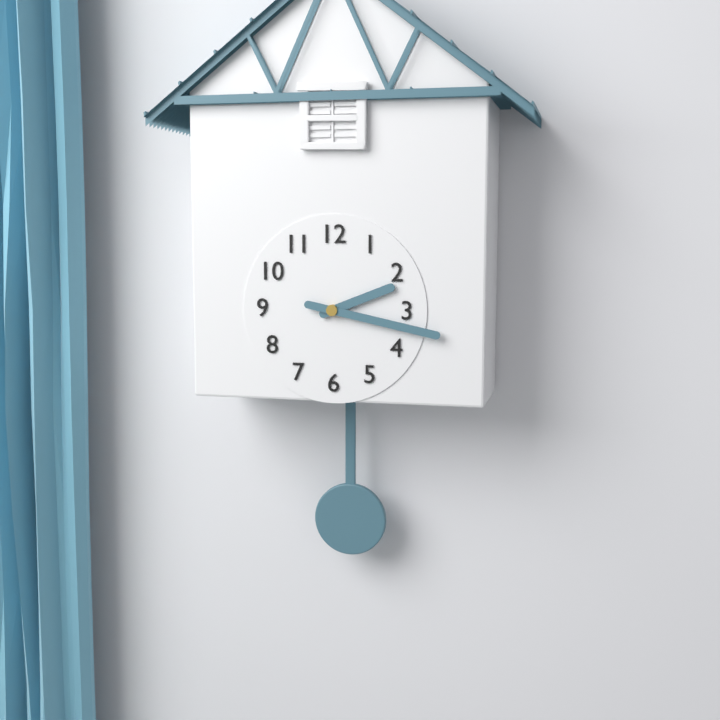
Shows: h=2 m=17
